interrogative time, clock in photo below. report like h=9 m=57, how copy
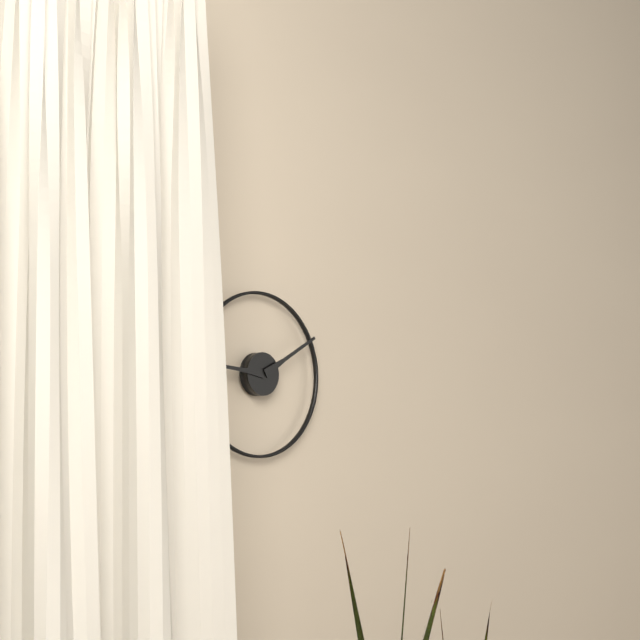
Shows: h=9 m=10
